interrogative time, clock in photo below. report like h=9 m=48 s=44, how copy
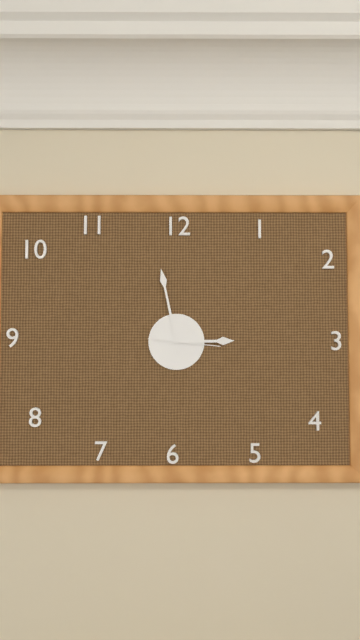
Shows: h=2 m=58 s=16
